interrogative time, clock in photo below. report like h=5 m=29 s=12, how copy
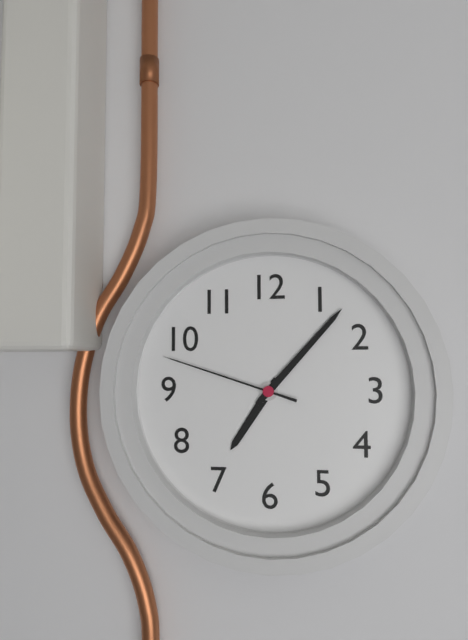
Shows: h=7 m=7 s=48
